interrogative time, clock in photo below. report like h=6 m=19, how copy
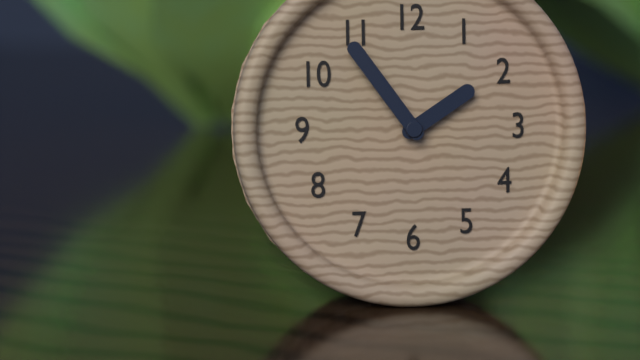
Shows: h=1 m=54
